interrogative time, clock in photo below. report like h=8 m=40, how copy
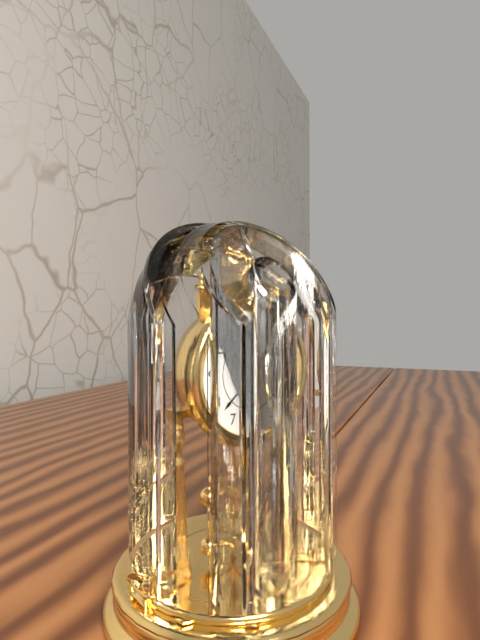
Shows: h=5 m=38
